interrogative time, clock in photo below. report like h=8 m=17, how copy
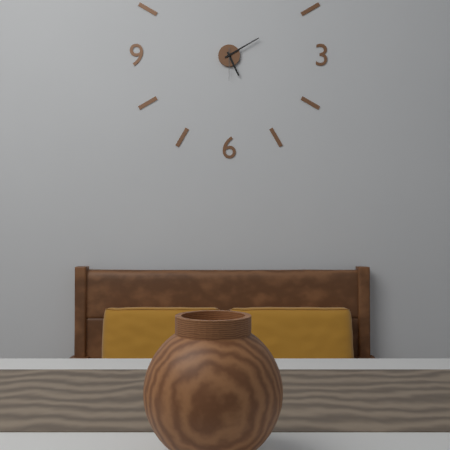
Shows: h=5 m=10
